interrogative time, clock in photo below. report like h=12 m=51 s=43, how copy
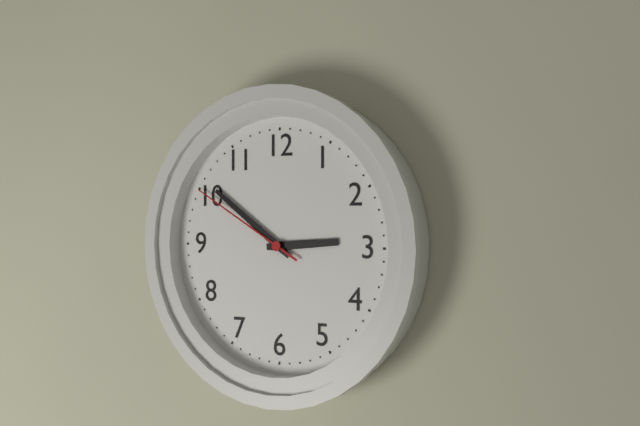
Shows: h=2 m=51 s=50
